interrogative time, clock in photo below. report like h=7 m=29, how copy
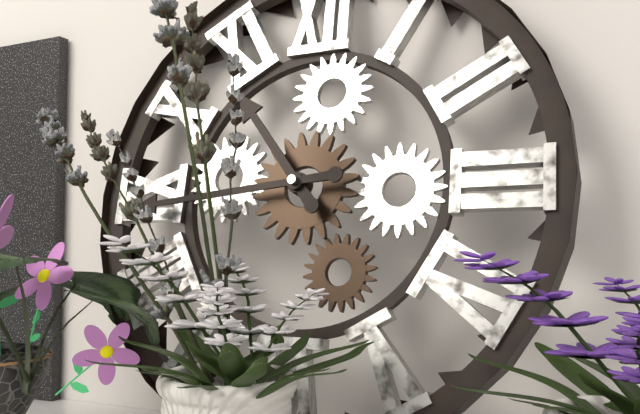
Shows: h=10 m=44
